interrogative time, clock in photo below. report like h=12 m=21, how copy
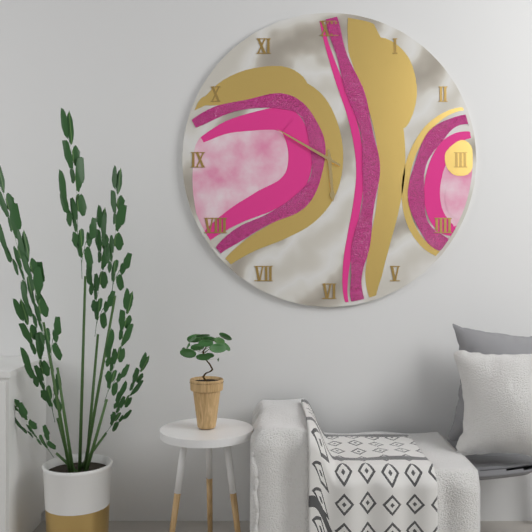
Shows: h=5 m=50
